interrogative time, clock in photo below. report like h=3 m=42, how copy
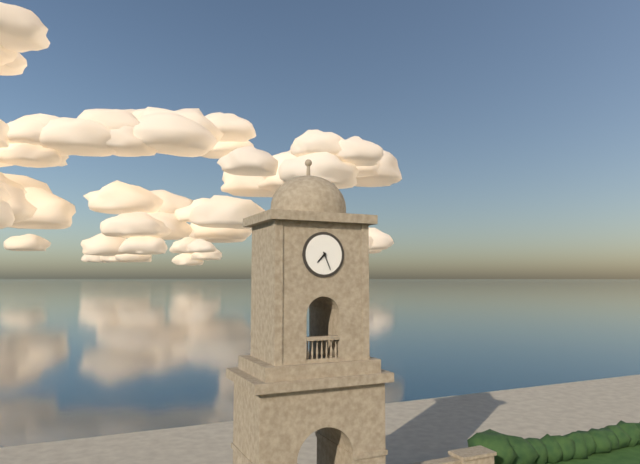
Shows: h=7 m=26
